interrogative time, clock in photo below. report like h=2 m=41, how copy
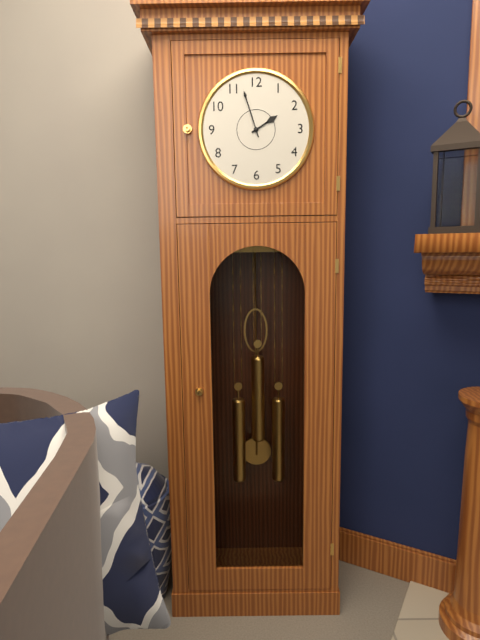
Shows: h=1 m=57
